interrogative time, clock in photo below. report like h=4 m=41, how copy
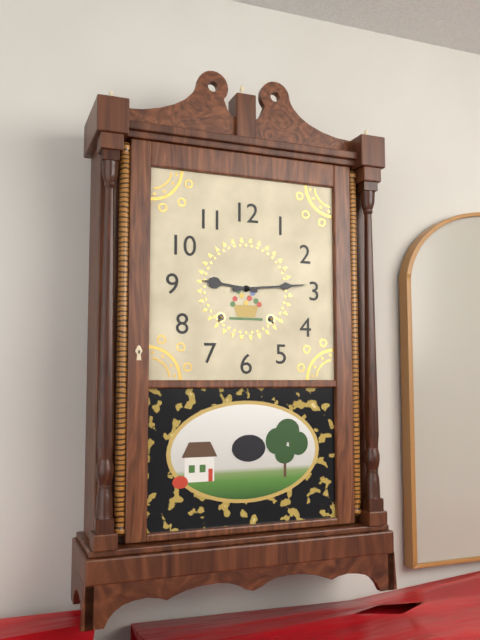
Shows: h=9 m=14
